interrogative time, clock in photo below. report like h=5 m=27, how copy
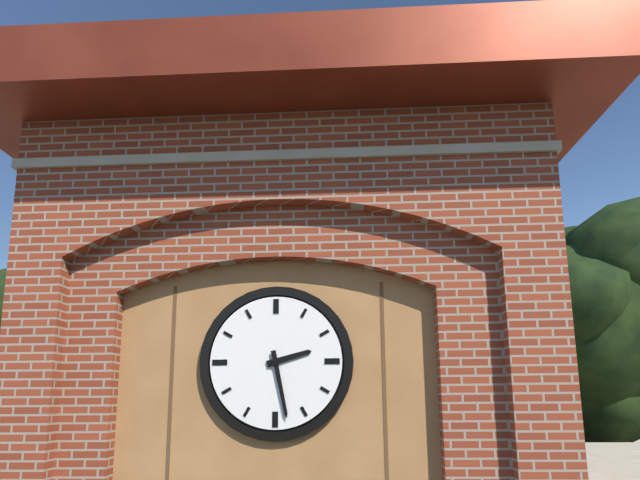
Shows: h=2 m=28
